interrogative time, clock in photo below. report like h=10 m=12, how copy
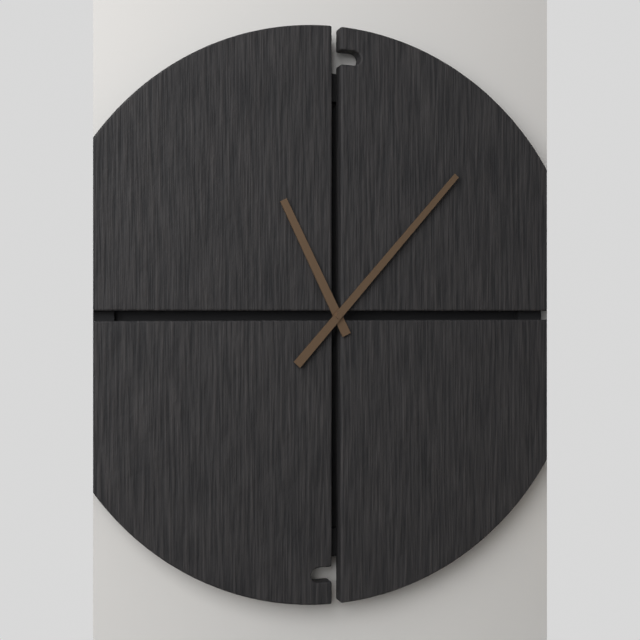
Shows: h=11 m=7
